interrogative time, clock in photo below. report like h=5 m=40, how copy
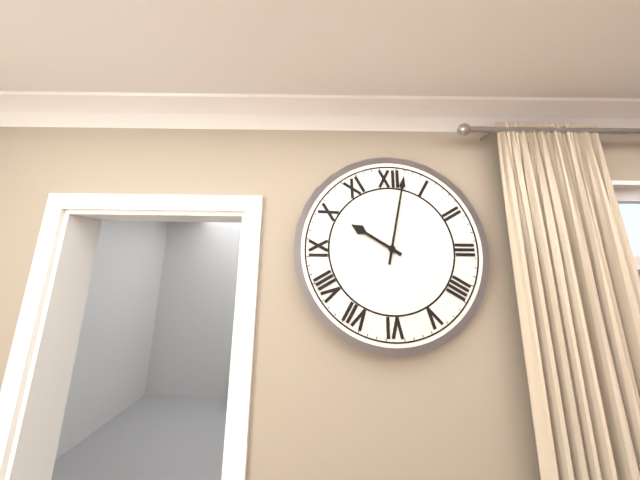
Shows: h=10 m=2
